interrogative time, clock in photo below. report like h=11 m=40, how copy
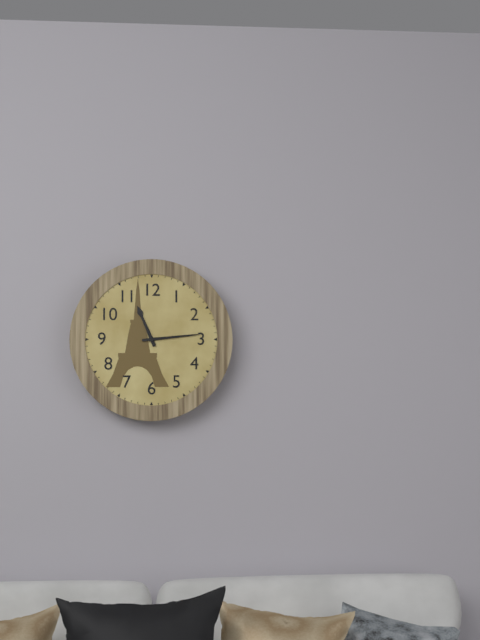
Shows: h=11 m=14
